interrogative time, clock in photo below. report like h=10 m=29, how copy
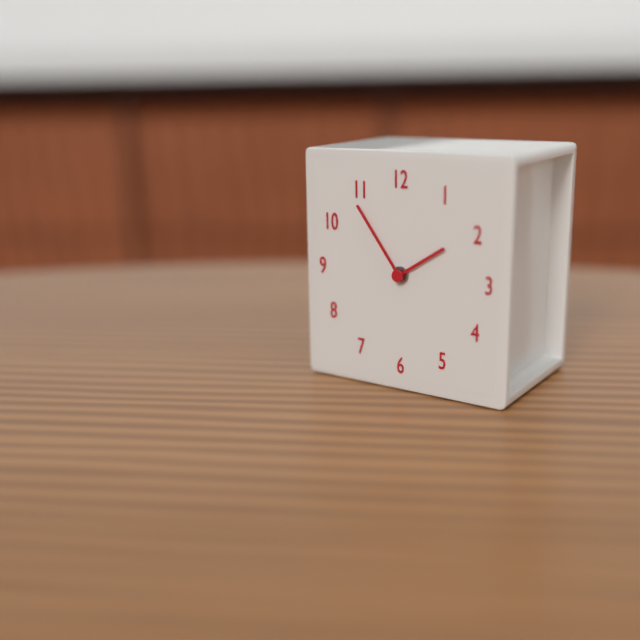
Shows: h=1 m=54
